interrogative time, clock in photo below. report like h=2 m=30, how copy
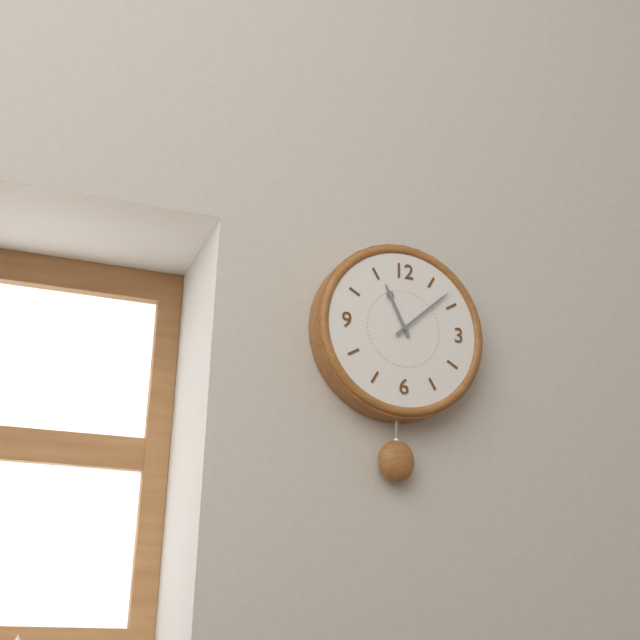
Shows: h=11 m=8
